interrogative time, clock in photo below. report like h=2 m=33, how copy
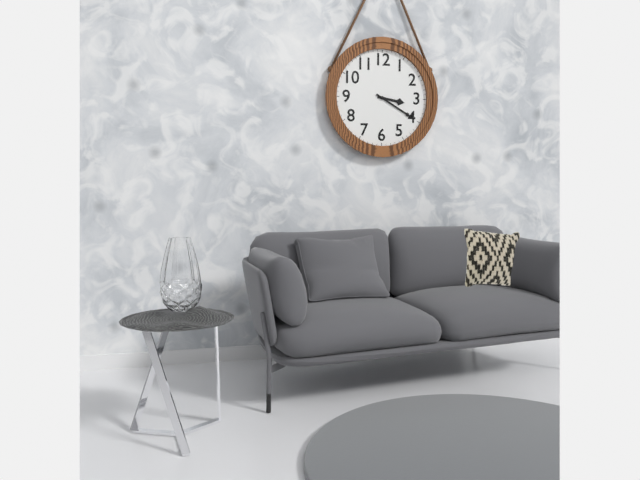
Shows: h=3 m=20
